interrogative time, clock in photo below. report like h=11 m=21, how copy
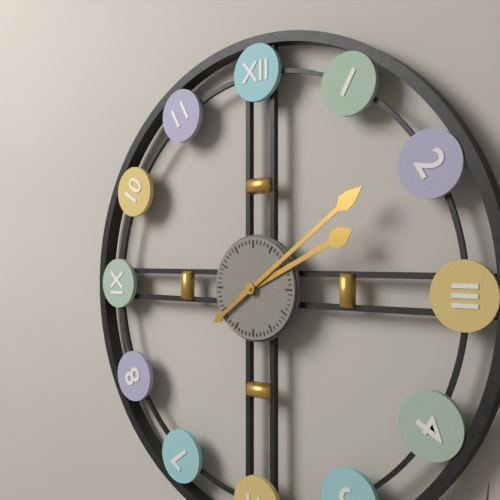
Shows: h=2 m=9
